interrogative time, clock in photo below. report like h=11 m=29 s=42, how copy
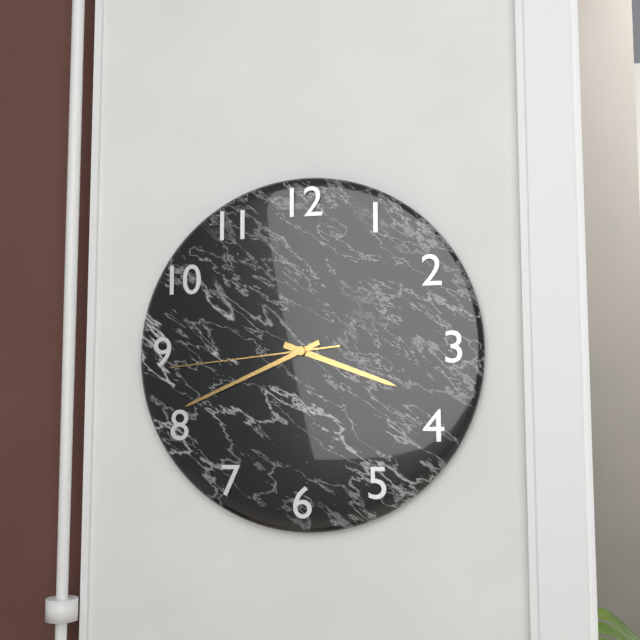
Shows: h=3 m=41 s=44
